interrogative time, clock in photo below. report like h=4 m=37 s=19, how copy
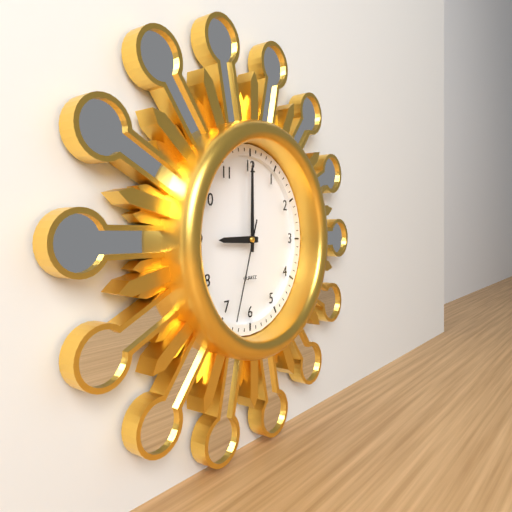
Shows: h=9 m=0 s=33
